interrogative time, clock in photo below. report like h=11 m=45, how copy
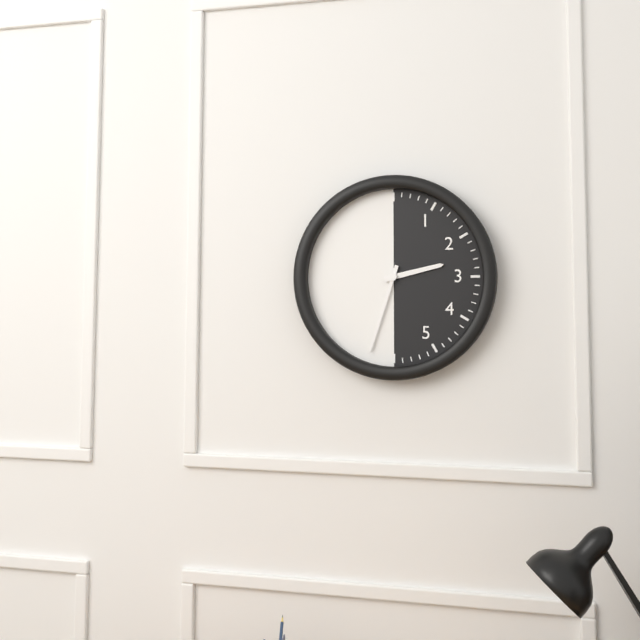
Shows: h=2 m=33
